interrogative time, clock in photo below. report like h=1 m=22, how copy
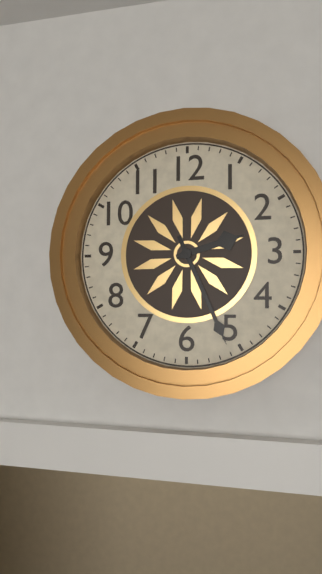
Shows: h=2 m=26
